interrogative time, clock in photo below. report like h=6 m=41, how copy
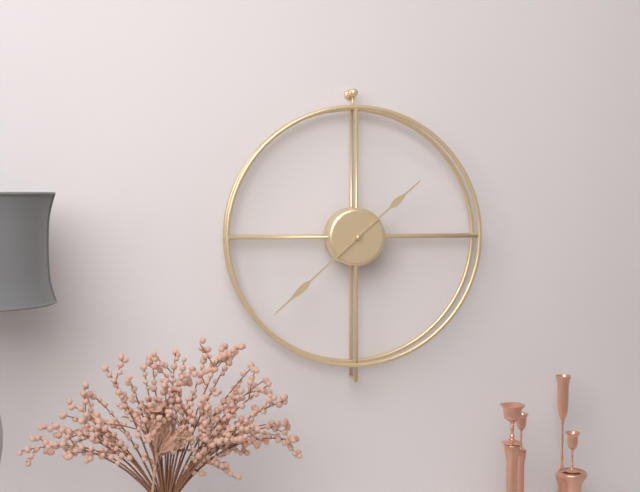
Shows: h=1 m=38
